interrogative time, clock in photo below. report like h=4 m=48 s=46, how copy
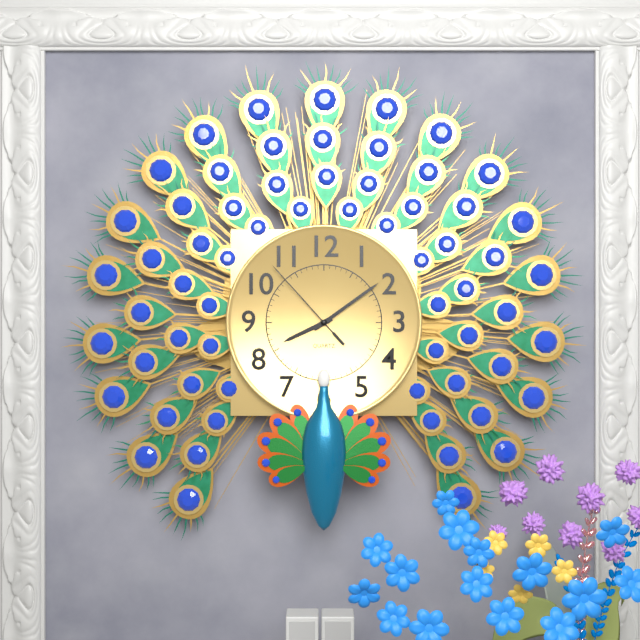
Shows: h=8 m=9 s=53
